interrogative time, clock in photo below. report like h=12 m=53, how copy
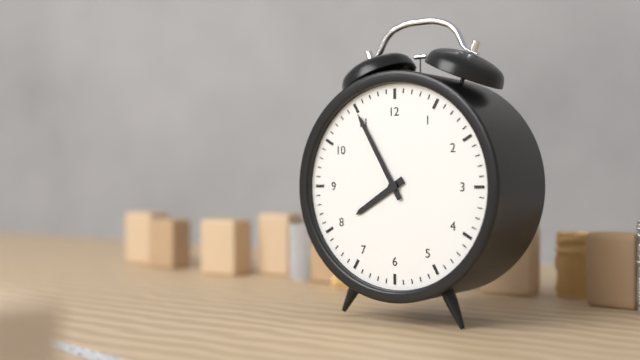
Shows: h=7 m=55
